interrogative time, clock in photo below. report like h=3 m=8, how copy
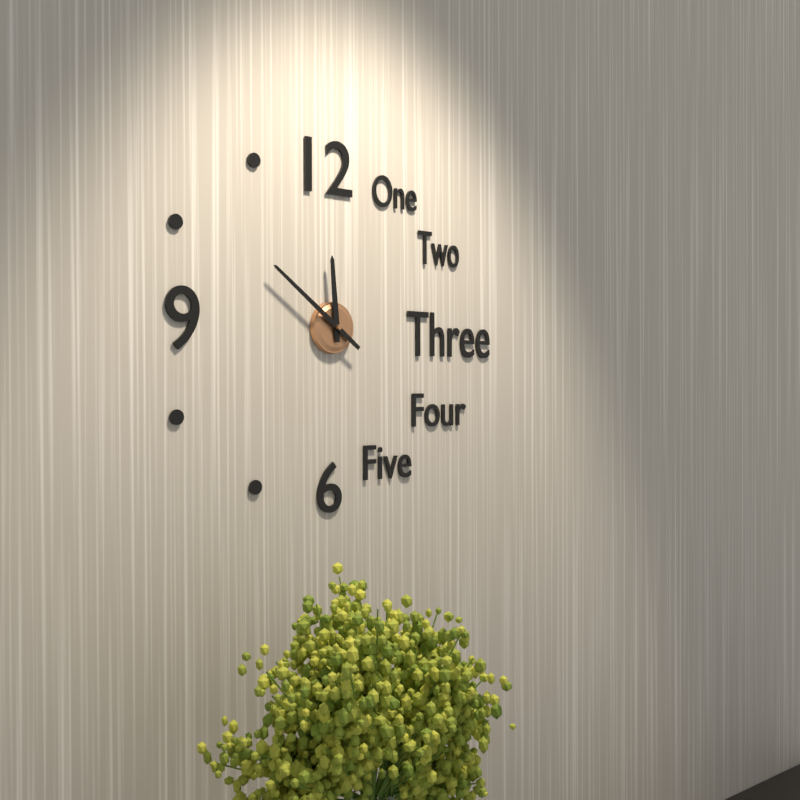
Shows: h=11 m=51
